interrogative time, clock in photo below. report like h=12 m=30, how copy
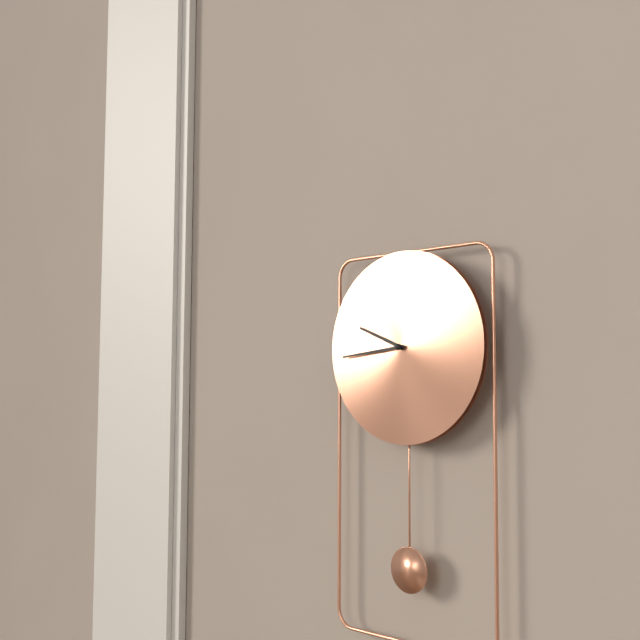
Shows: h=9 m=44
